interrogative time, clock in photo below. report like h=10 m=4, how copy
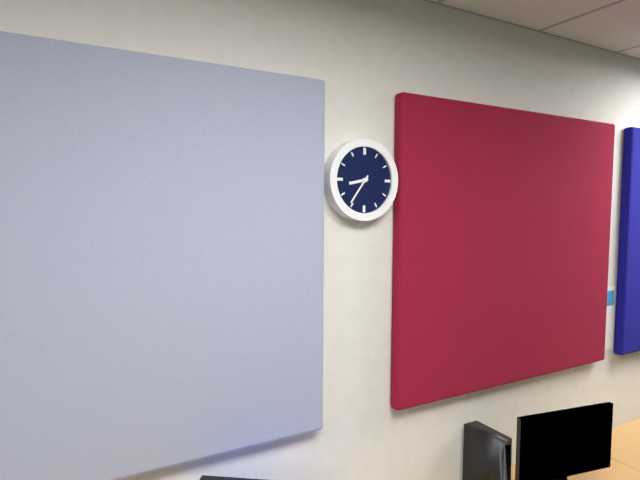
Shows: h=8 m=36
